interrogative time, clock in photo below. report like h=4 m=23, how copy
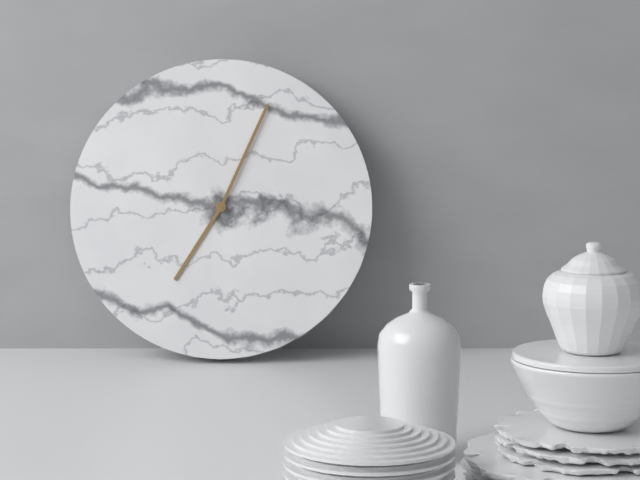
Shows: h=7 m=4
